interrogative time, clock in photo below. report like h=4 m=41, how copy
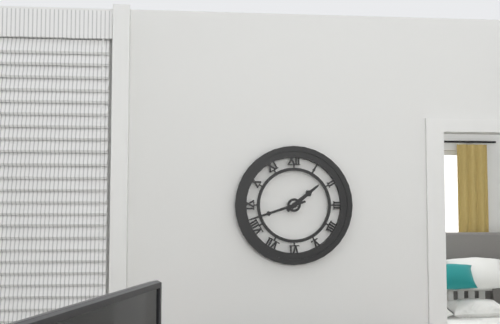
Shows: h=1 m=42
